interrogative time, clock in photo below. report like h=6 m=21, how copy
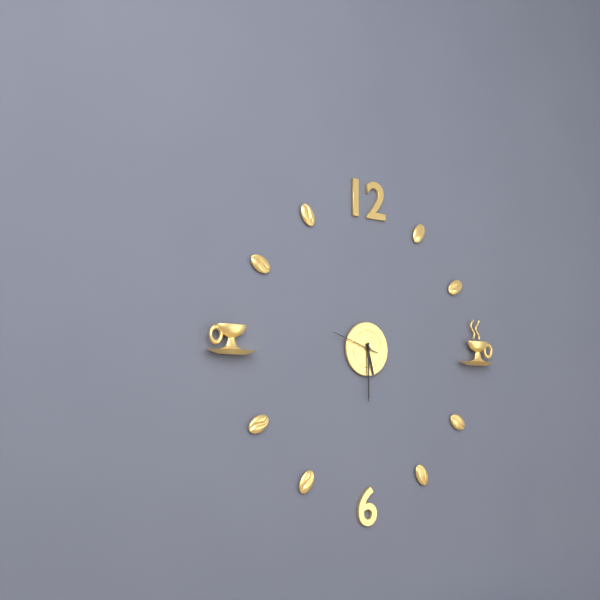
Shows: h=5 m=30
